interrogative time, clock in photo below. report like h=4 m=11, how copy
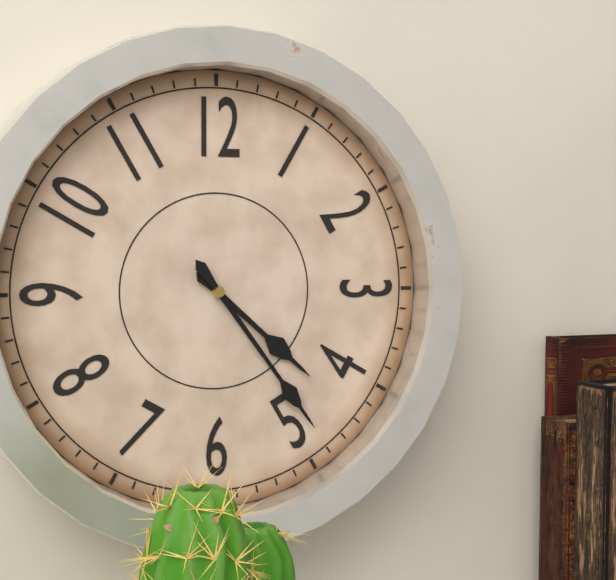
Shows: h=4 m=24
